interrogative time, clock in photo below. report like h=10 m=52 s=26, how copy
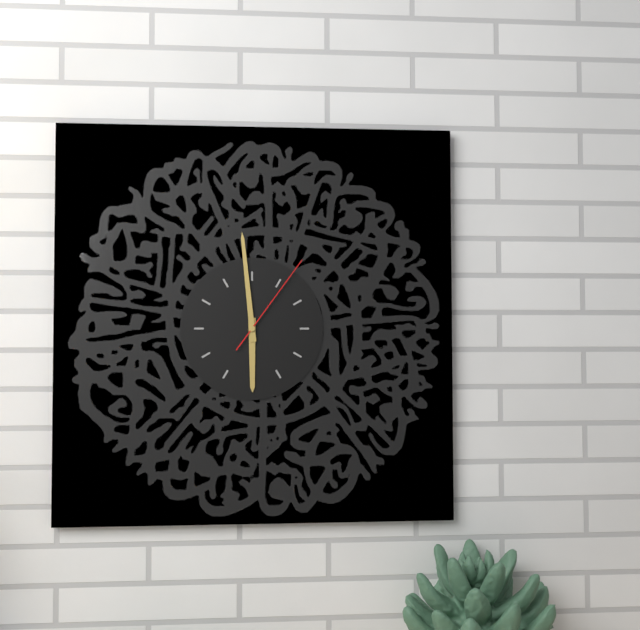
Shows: h=5 m=59 s=6
